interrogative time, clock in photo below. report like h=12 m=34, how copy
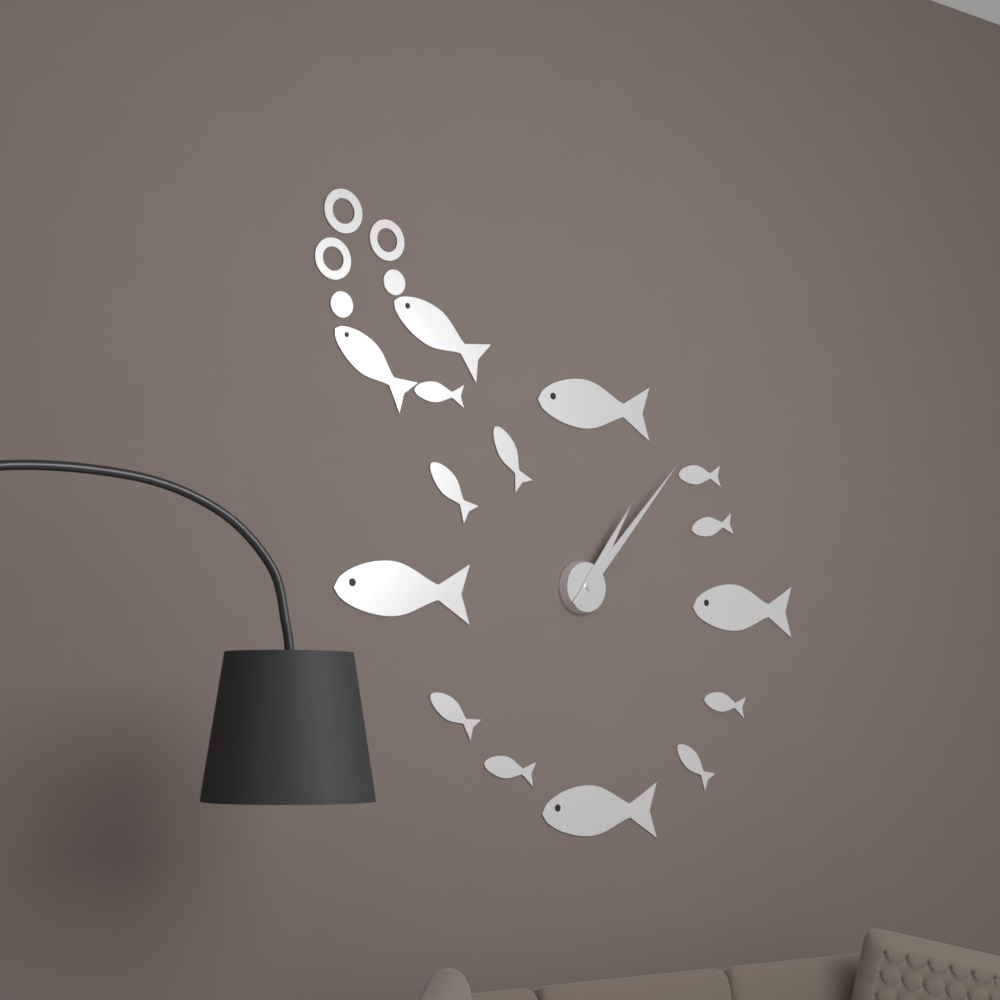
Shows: h=1 m=7
